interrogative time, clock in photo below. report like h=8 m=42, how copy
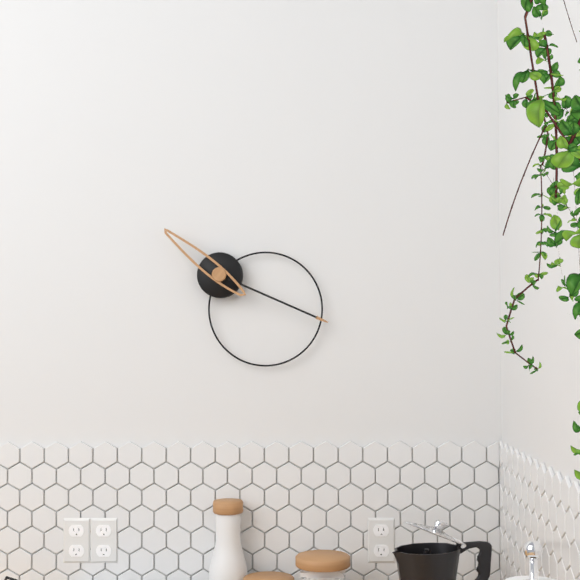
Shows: h=10 m=19
